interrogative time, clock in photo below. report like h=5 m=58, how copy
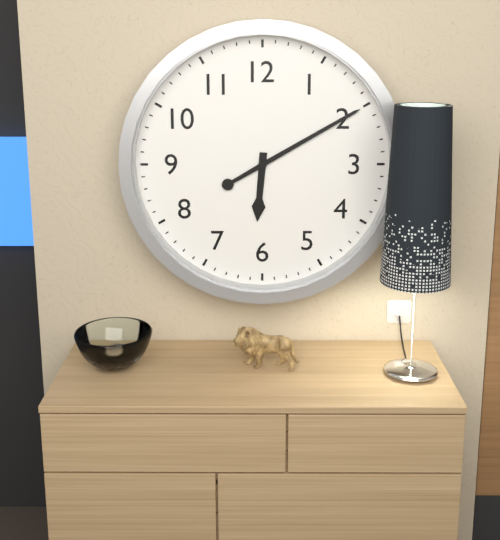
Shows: h=6 m=10
